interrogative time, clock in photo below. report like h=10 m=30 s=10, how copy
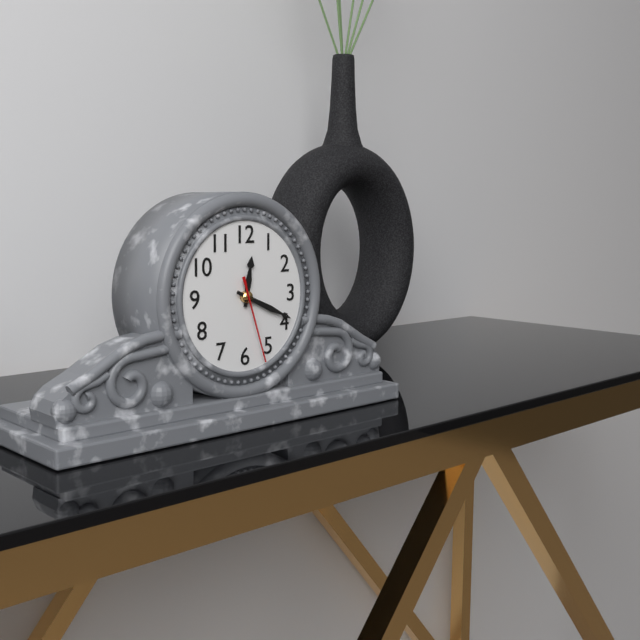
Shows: h=12 m=19 s=27
